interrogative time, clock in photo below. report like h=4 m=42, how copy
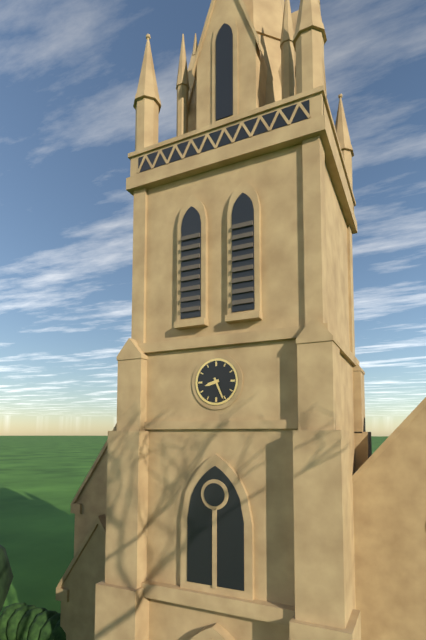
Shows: h=8 m=26
